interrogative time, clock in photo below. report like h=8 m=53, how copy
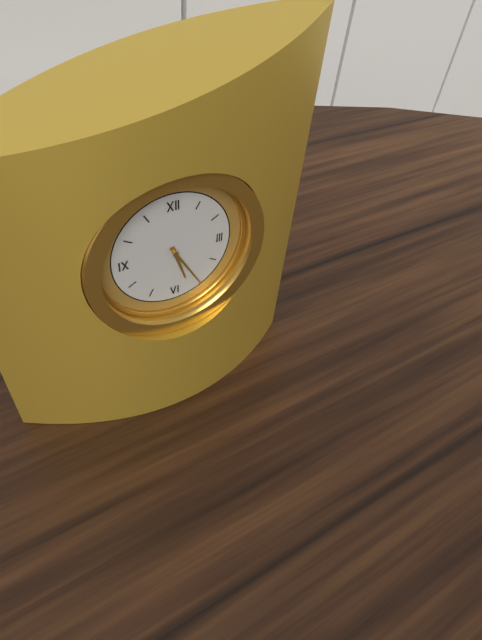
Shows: h=5 m=25
